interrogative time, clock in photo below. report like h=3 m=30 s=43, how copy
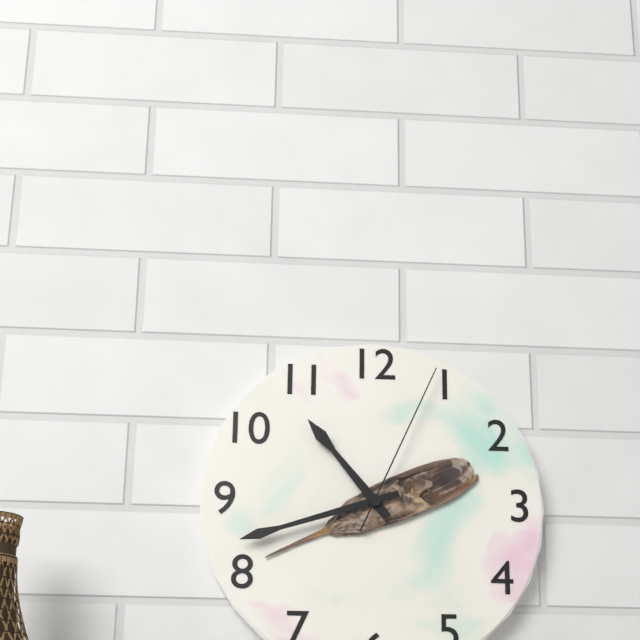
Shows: h=10 m=42 s=4
